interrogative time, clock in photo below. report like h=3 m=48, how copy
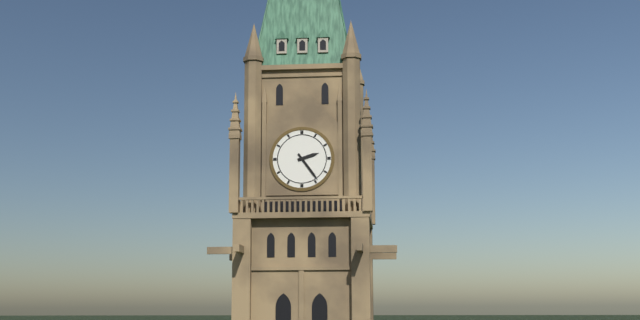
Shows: h=2 m=24
